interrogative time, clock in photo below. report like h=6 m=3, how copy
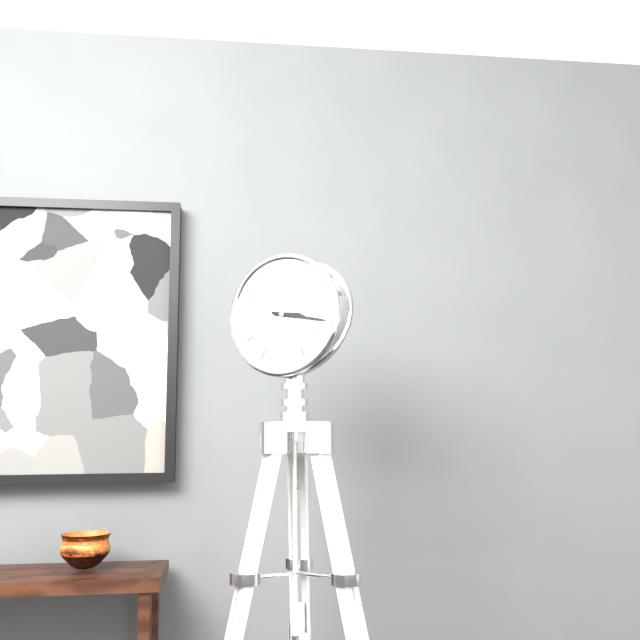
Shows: h=3 m=17
